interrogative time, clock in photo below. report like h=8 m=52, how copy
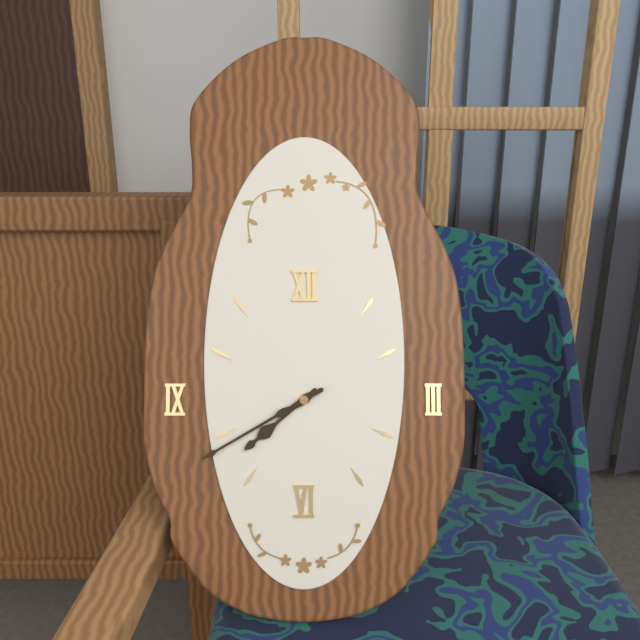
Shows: h=7 m=40
